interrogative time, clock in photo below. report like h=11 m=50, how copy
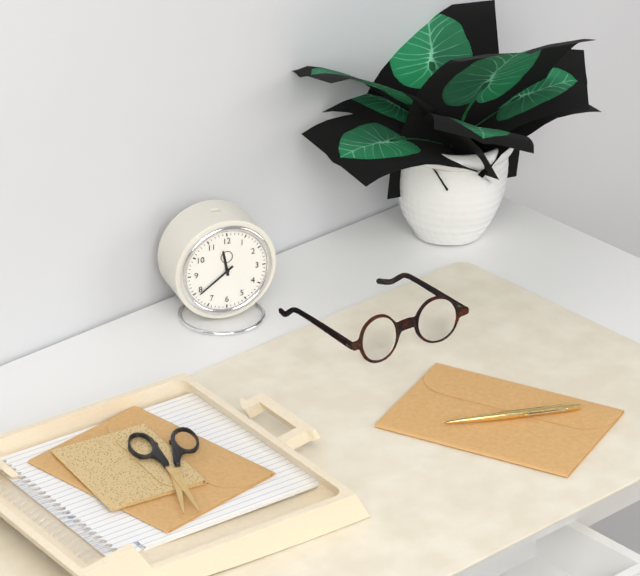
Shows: h=11 m=39
